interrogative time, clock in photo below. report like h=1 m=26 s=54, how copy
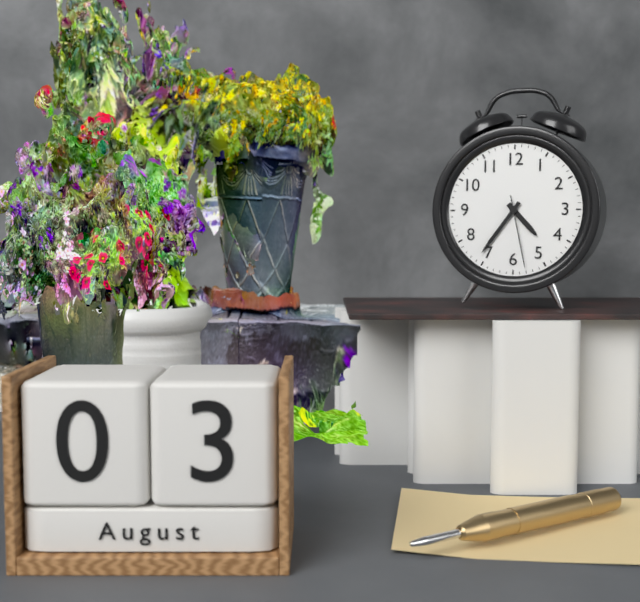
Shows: h=4 m=36 s=28
